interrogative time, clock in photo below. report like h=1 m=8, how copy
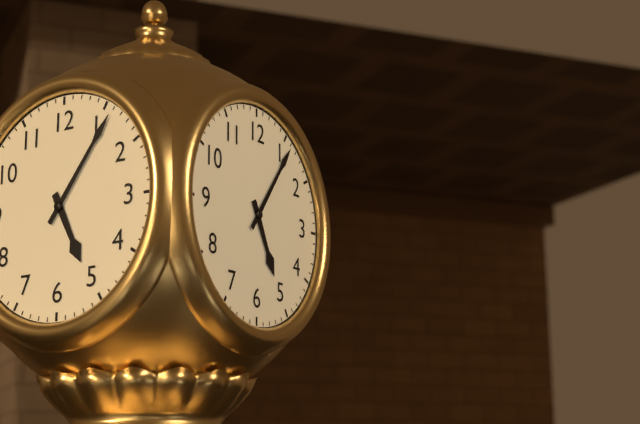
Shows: h=5 m=6
